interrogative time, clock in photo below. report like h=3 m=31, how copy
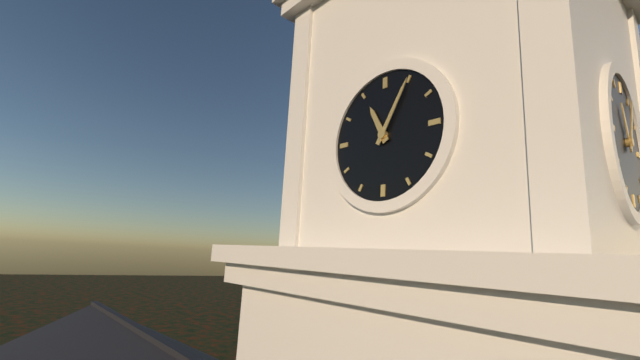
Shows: h=11 m=5
